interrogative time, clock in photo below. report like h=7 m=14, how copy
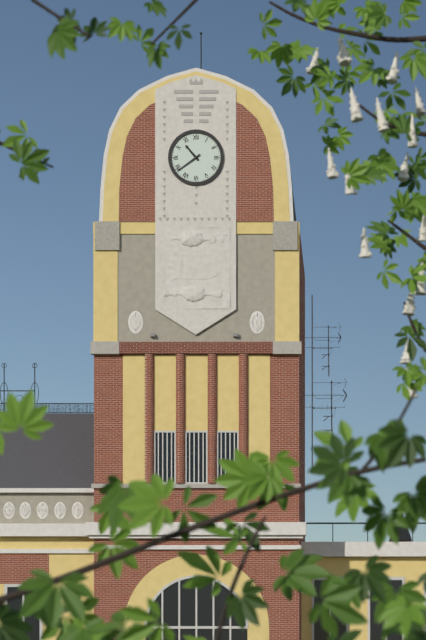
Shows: h=10 m=39
